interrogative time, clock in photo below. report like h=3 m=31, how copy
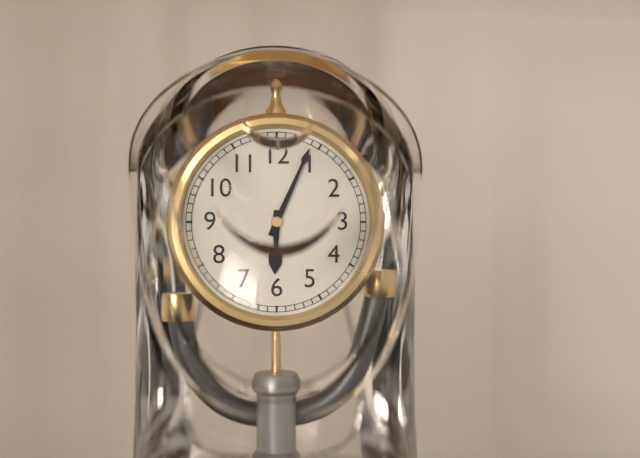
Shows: h=6 m=4
